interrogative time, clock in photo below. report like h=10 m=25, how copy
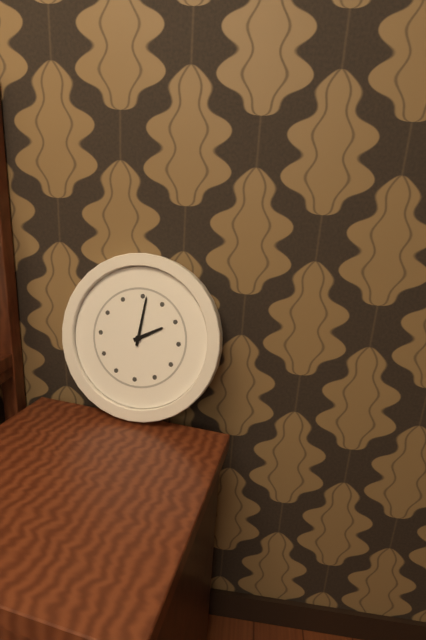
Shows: h=2 m=1
